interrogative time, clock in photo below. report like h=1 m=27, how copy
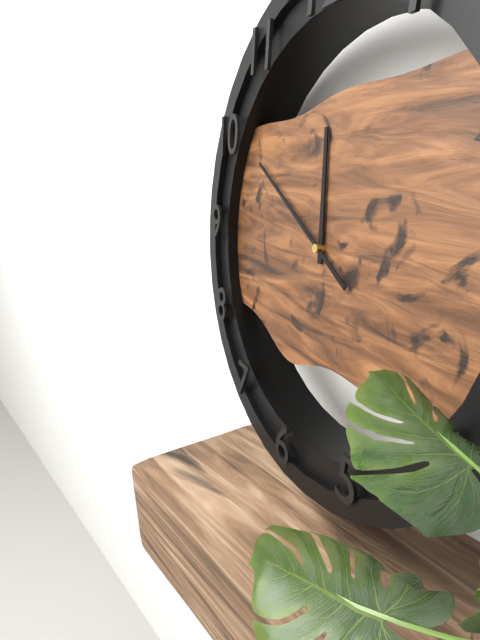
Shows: h=11 m=50
